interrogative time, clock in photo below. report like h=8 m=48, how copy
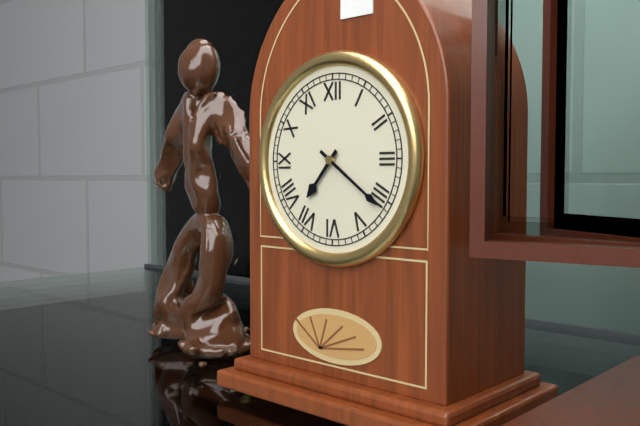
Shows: h=7 m=21
